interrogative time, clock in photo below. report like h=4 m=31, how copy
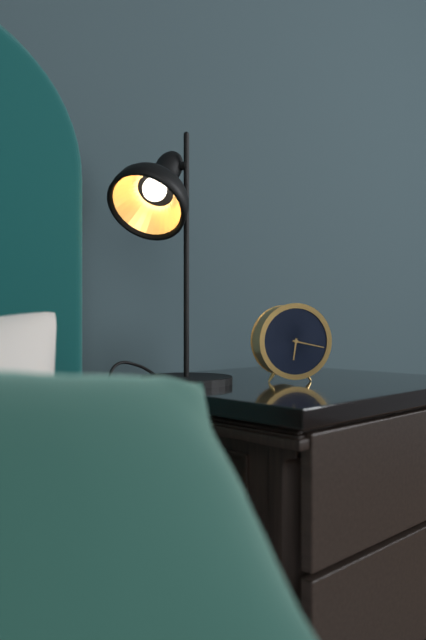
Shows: h=6 m=17
